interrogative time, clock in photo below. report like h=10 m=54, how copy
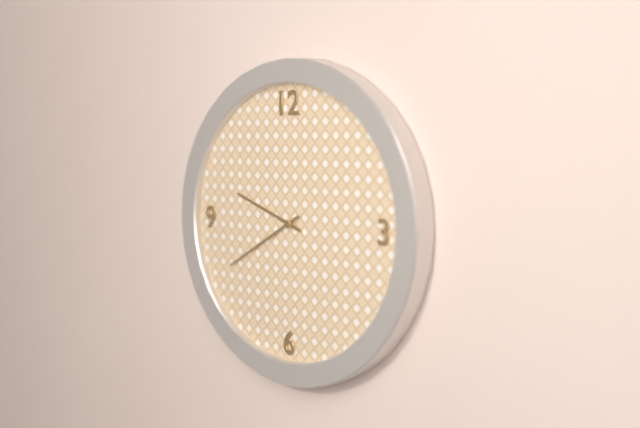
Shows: h=9 m=40
